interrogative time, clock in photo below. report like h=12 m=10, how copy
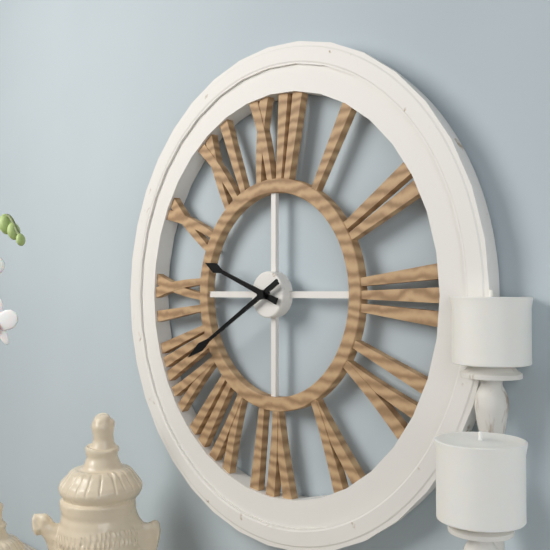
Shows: h=9 m=40
